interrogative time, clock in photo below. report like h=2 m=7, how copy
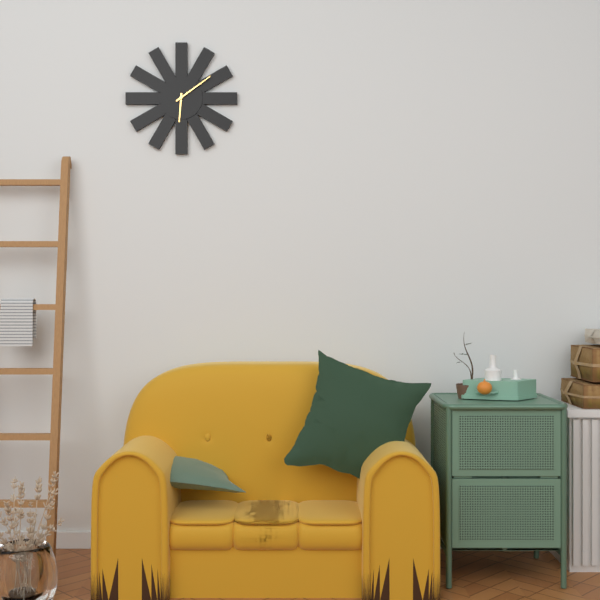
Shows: h=6 m=9
